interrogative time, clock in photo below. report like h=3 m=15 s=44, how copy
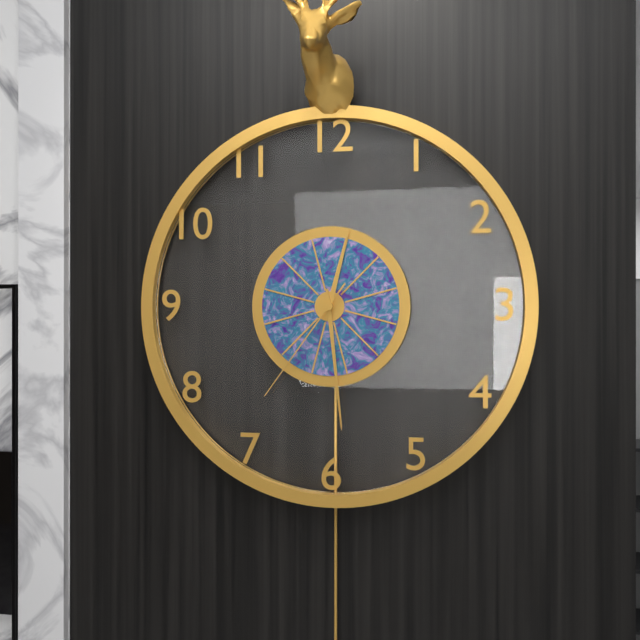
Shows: h=12 m=29 s=36
